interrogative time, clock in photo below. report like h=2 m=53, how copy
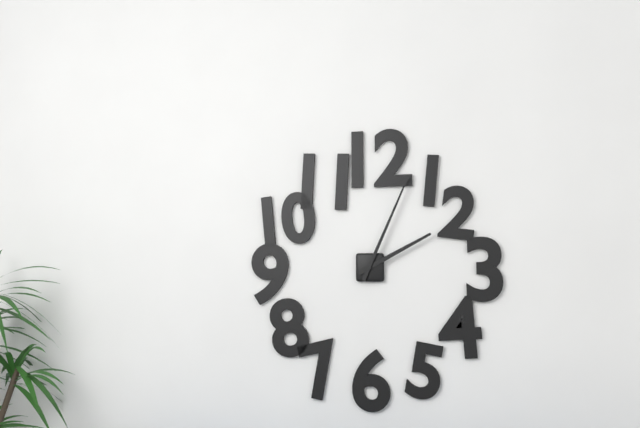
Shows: h=2 m=4
